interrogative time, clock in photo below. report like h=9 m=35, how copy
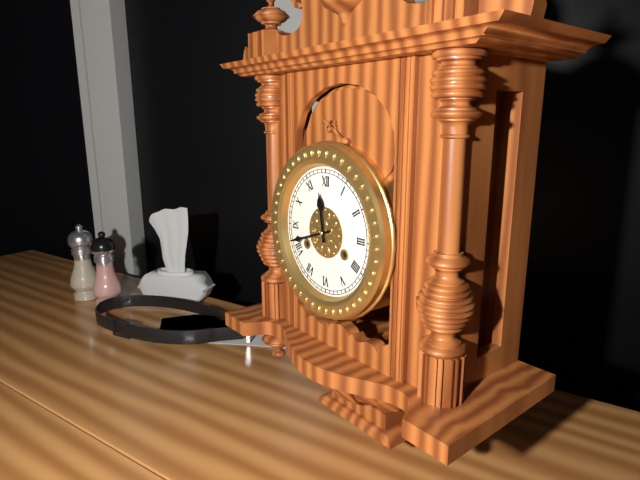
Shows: h=11 m=42
